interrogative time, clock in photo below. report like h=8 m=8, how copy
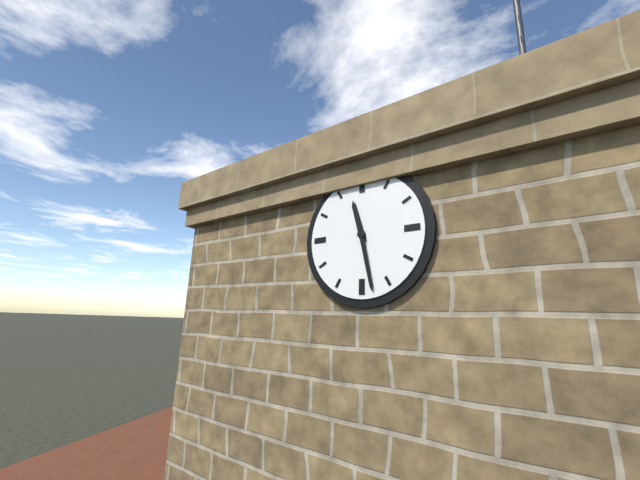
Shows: h=11 m=28
